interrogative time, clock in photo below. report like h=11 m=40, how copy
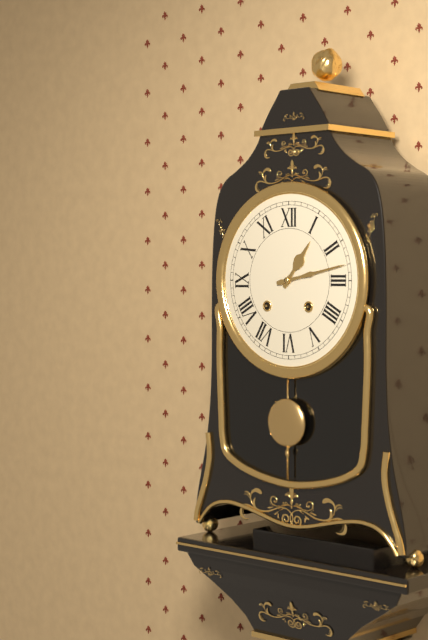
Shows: h=1 m=13
